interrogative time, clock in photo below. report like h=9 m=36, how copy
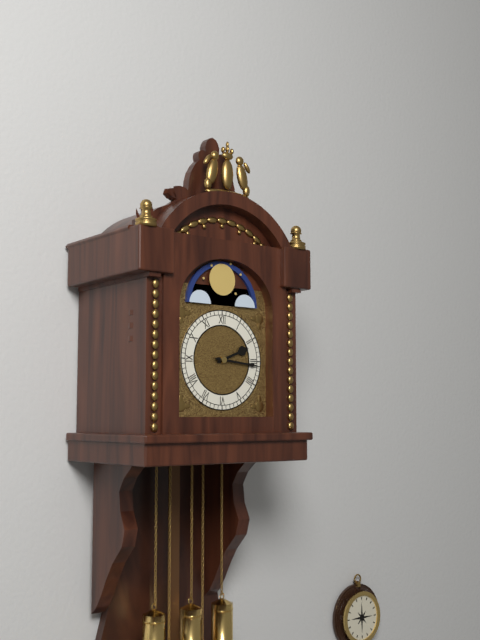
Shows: h=2 m=16
